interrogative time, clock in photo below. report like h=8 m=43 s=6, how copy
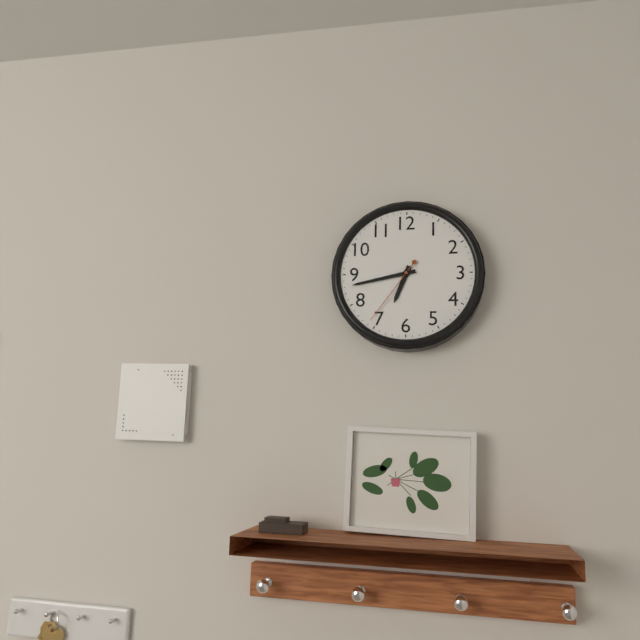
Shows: h=6 m=43 s=36
